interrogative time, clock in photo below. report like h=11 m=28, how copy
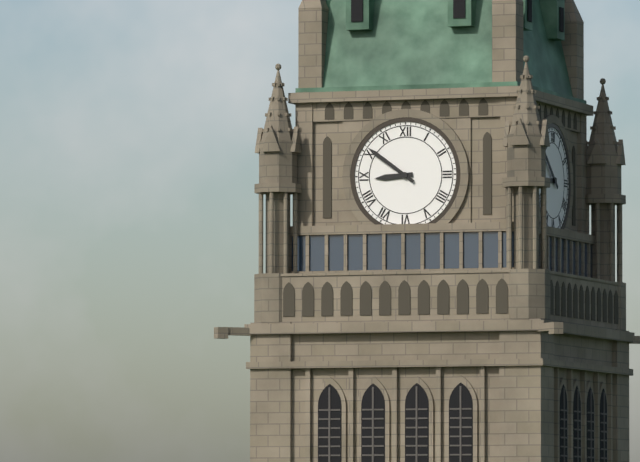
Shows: h=8 m=51
